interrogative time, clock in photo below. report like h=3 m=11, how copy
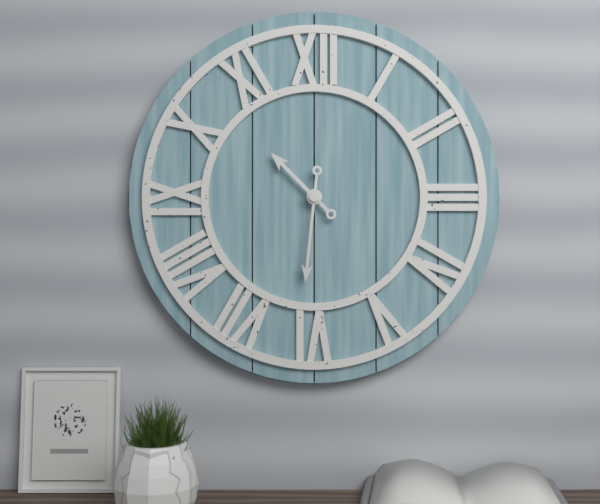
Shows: h=10 m=31
